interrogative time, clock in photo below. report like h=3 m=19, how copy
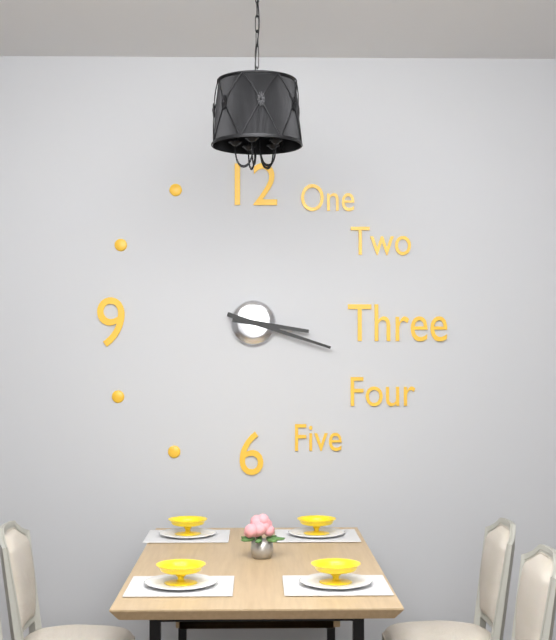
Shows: h=3 m=18
